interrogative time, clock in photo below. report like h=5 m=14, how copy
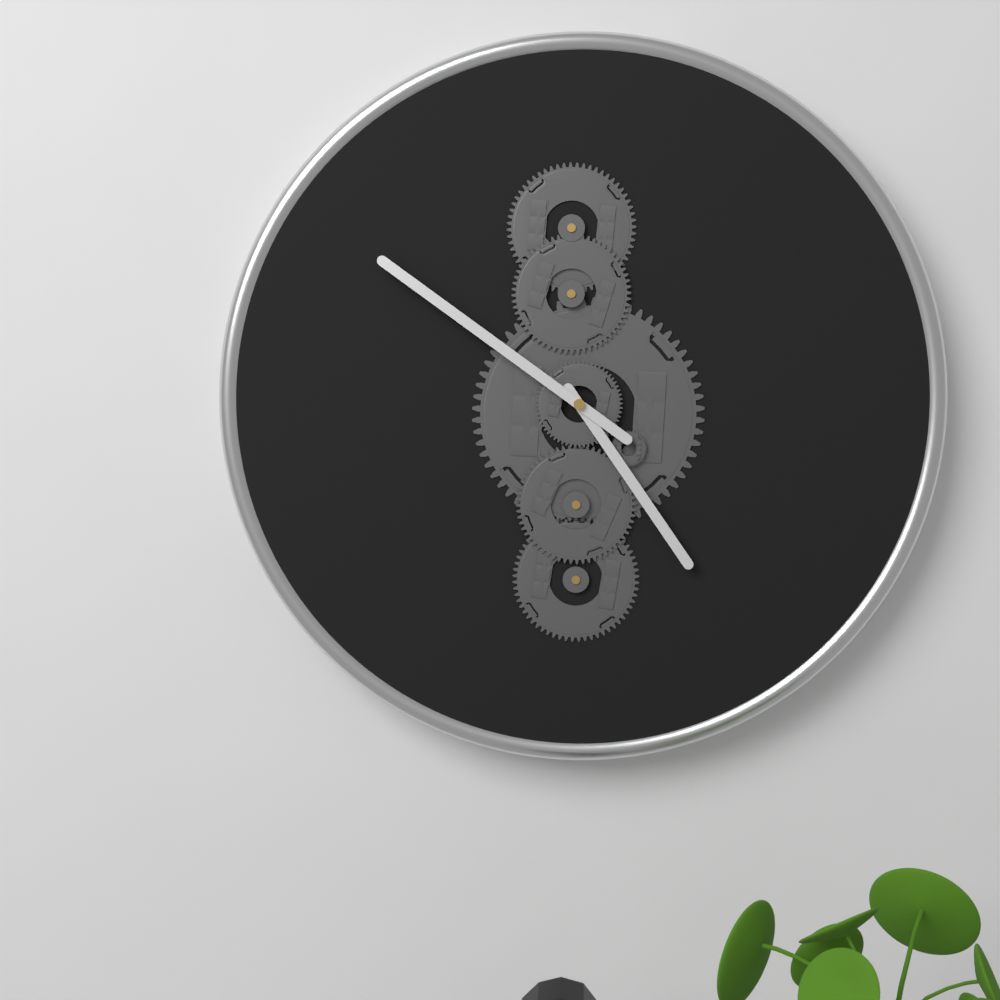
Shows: h=4 m=51
